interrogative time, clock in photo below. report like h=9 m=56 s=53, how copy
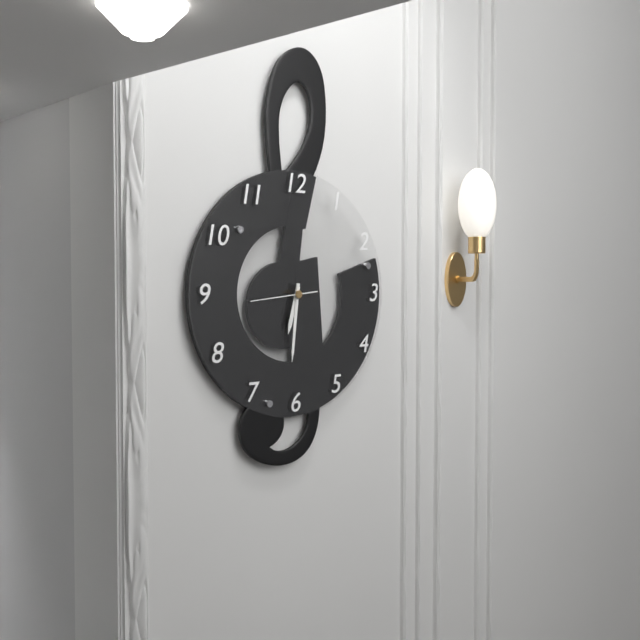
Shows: h=6 m=31 s=44
